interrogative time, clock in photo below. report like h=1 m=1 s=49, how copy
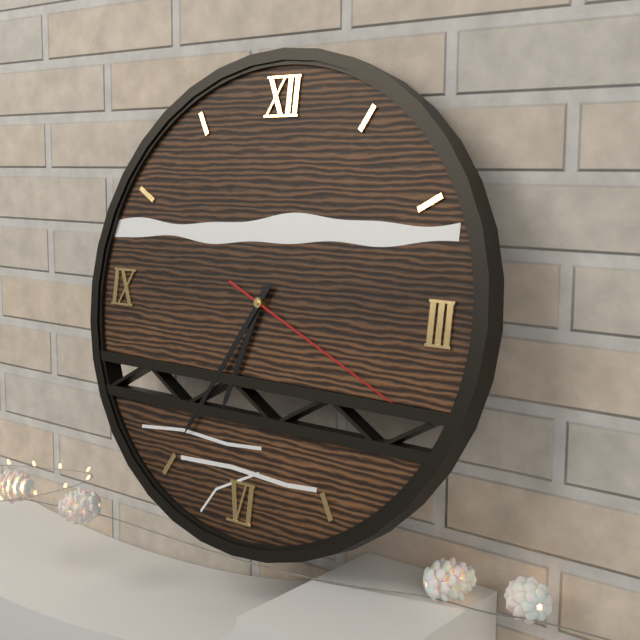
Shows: h=6 m=35 s=19
